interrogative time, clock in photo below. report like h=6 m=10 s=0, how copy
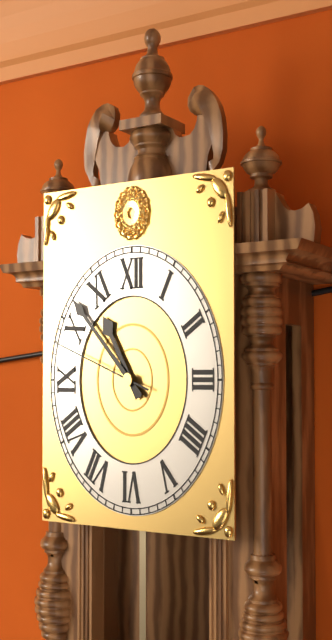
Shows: h=10 m=52 s=48
